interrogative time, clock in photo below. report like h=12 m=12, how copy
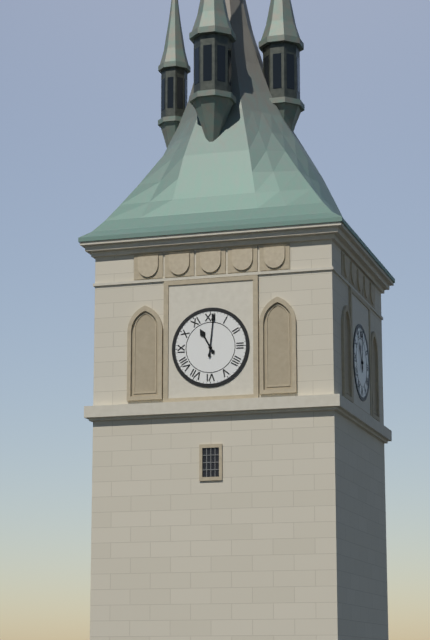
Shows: h=11 m=1
